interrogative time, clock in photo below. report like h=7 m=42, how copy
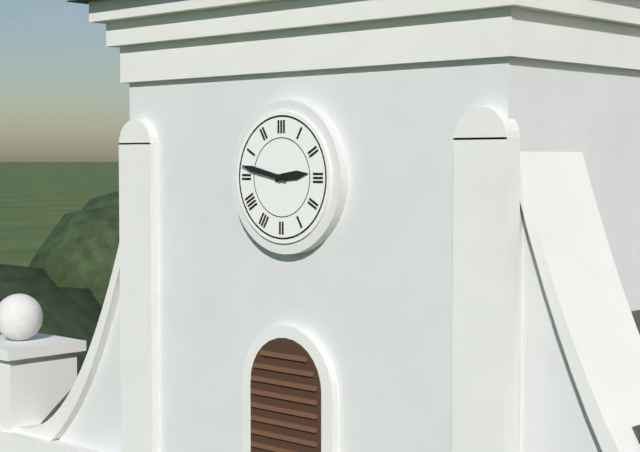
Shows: h=2 m=47
